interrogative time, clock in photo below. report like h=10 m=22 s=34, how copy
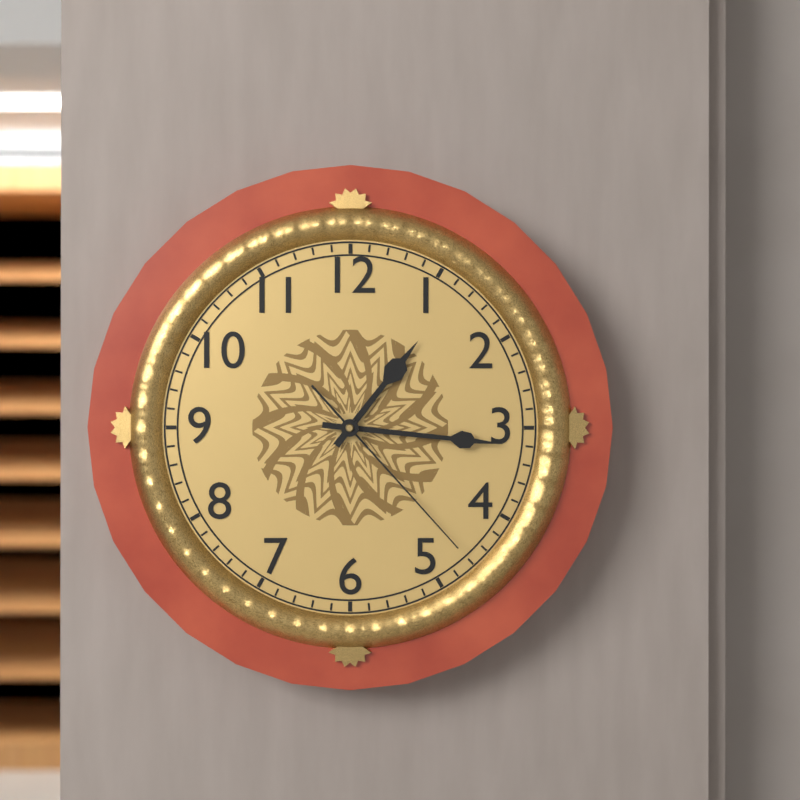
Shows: h=1 m=16 s=23
